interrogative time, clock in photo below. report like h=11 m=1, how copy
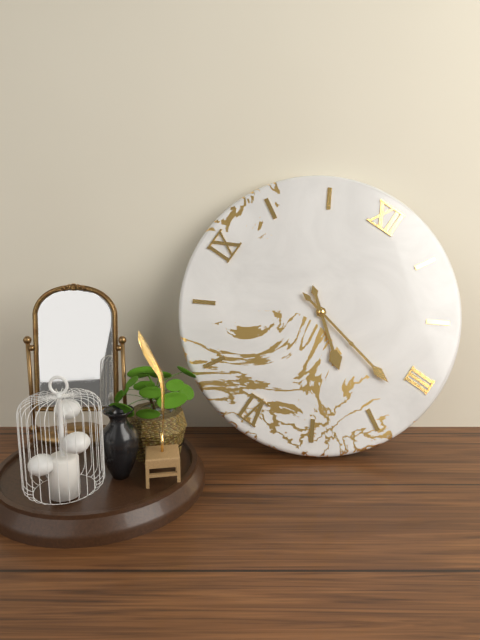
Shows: h=4 m=17
